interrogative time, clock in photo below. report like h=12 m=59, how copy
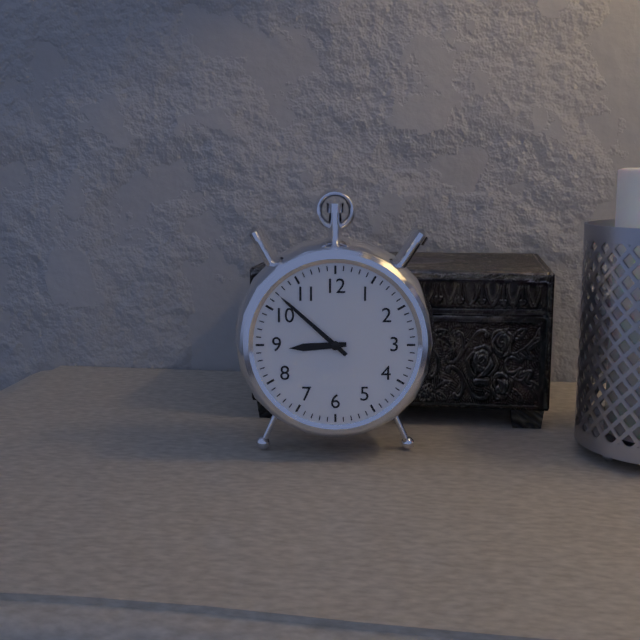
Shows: h=8 m=52
